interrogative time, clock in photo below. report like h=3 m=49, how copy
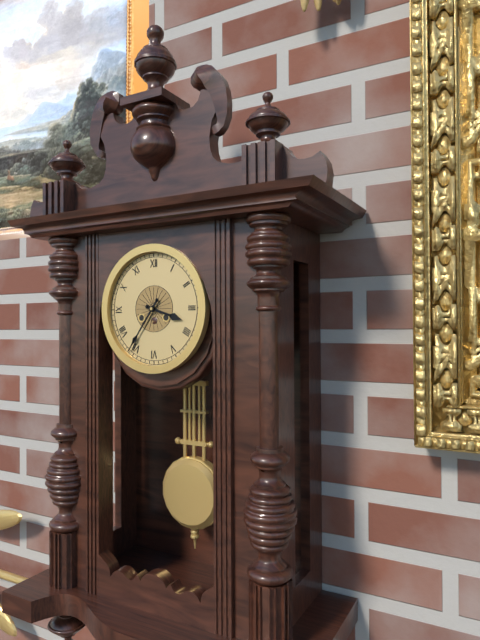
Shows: h=3 m=36
